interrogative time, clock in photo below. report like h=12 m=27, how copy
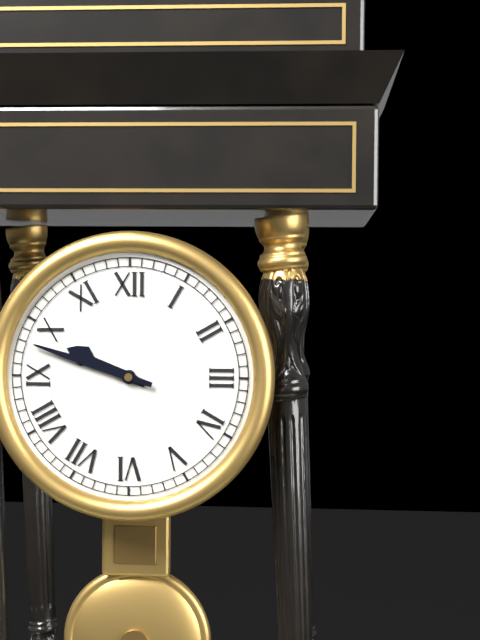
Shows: h=9 m=48
